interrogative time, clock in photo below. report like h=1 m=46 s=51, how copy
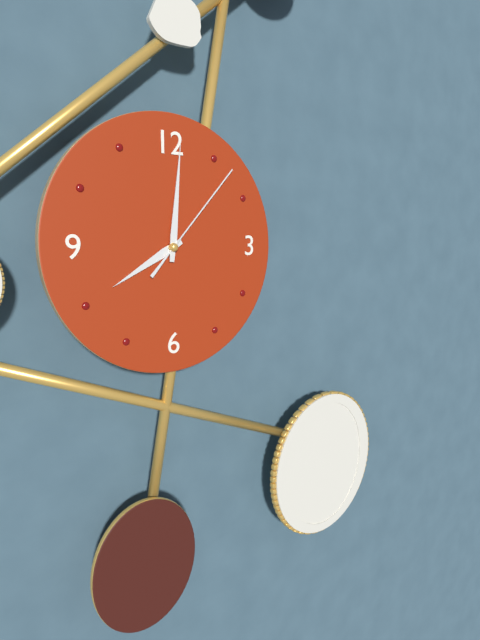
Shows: h=8 m=1 s=7
